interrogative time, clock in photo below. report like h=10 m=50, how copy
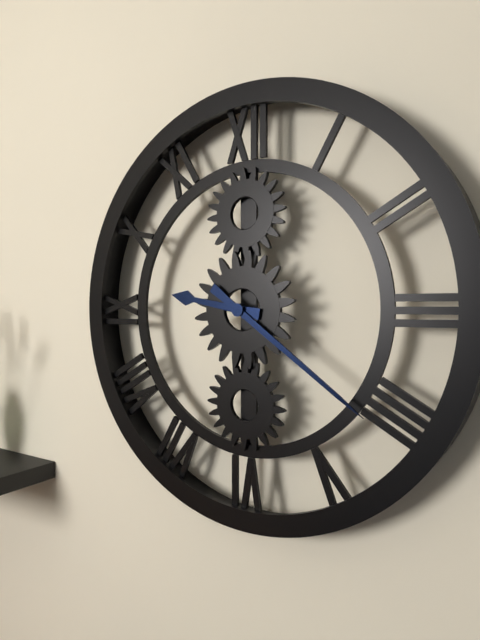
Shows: h=9 m=21
